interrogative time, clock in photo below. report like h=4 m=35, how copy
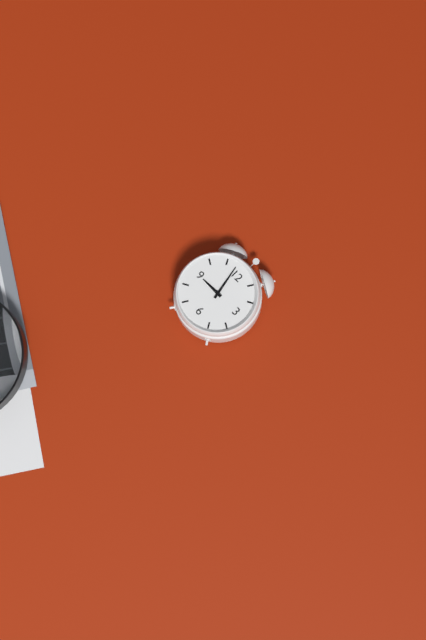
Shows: h=8 m=58
